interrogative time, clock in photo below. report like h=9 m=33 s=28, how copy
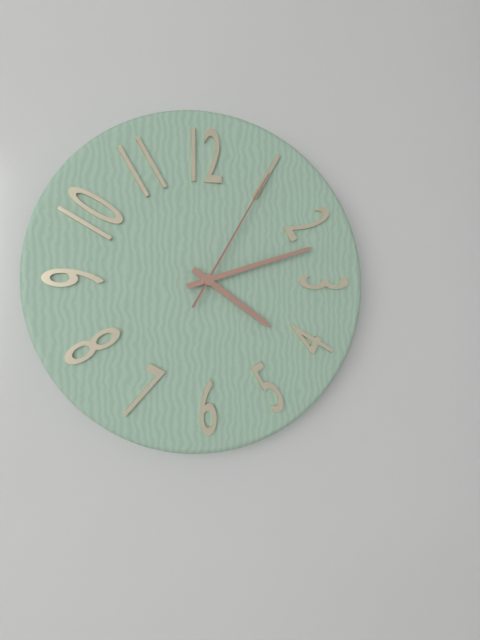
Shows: h=4 m=12 s=5
